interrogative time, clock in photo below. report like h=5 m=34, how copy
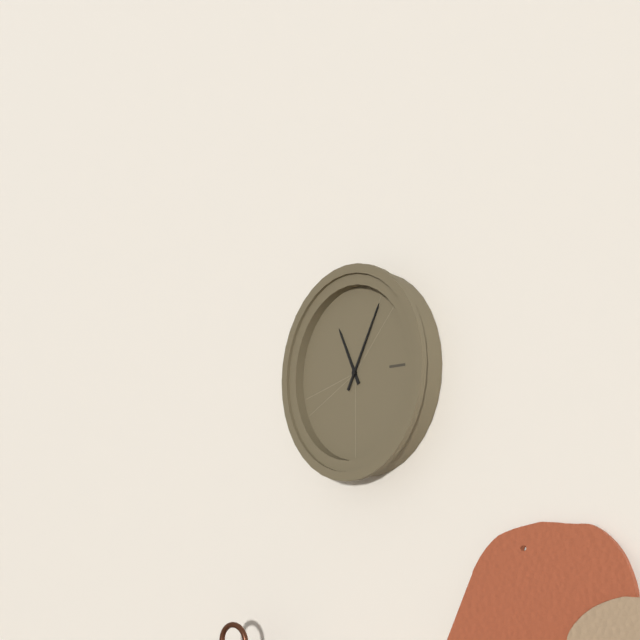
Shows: h=11 m=5
